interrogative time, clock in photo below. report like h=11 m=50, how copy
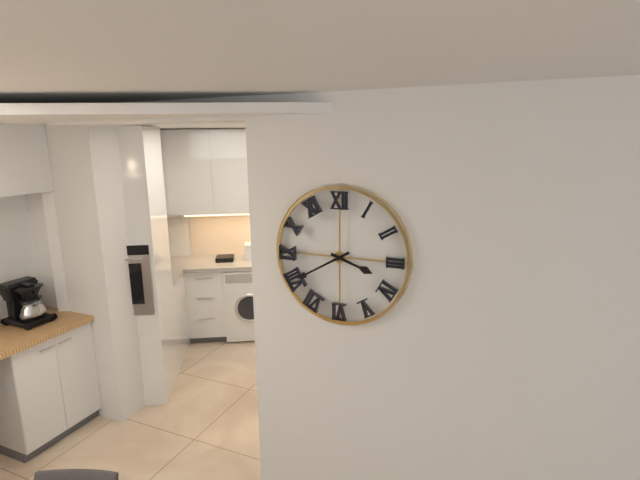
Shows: h=3 m=40
